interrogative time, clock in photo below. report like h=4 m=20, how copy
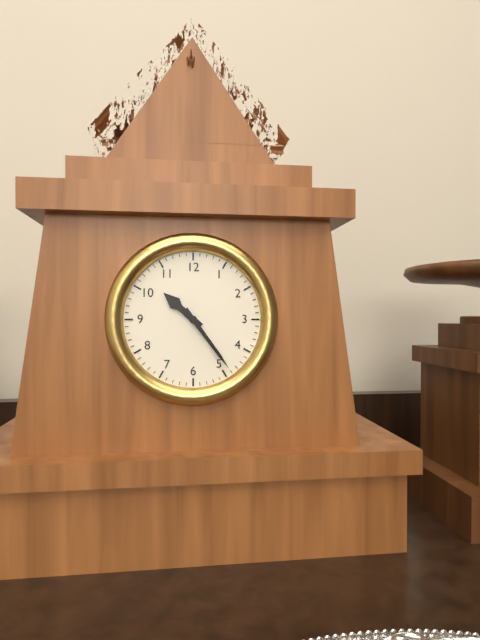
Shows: h=10 m=24
